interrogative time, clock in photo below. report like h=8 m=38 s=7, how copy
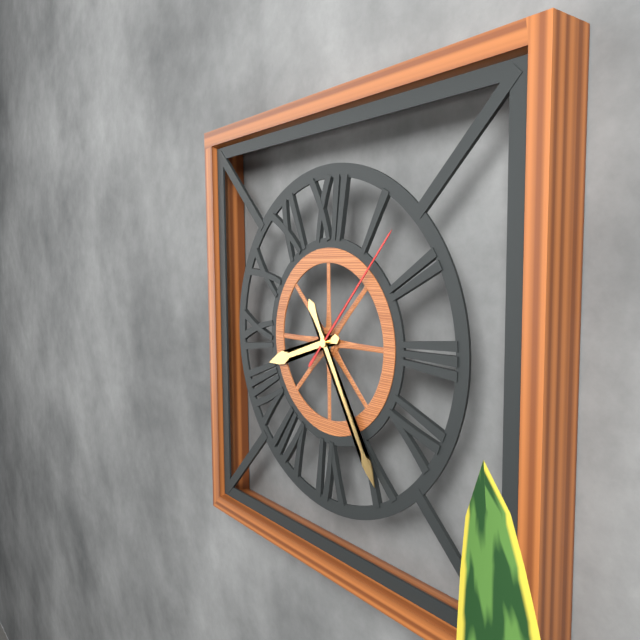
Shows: h=8 m=25 s=7
